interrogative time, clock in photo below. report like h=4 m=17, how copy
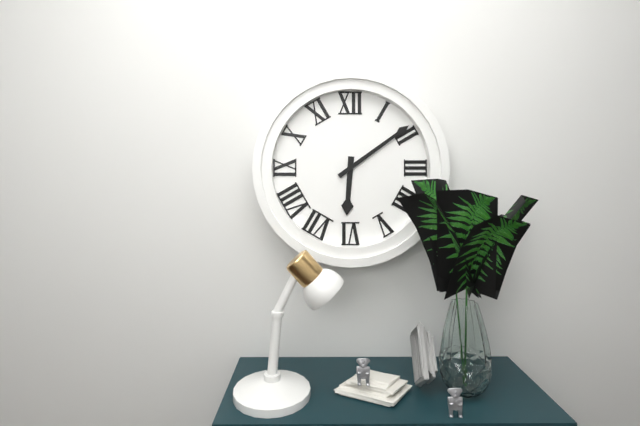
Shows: h=6 m=9
